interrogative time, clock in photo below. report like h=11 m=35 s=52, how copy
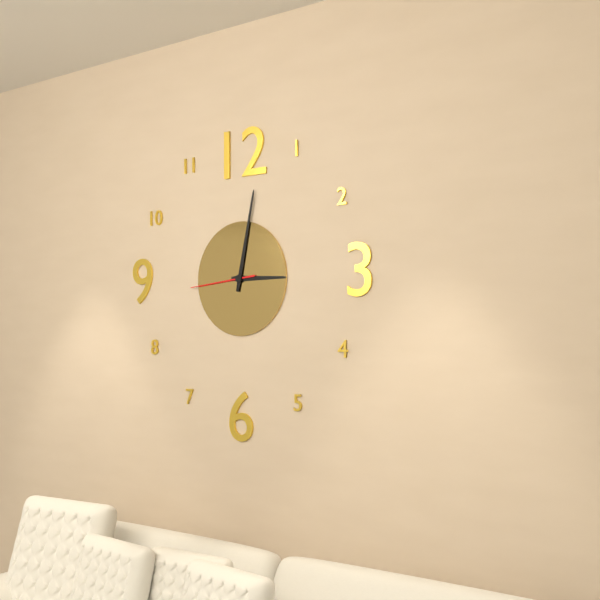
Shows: h=3 m=2 s=44
